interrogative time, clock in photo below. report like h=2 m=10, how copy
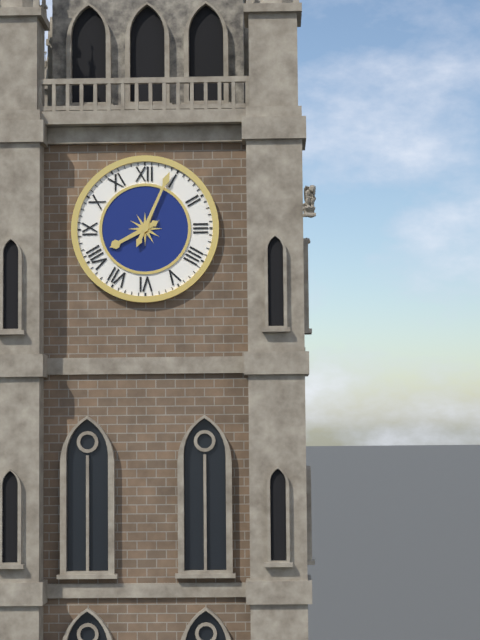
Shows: h=8 m=4
